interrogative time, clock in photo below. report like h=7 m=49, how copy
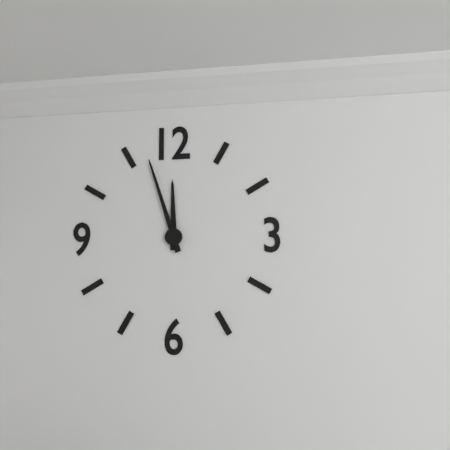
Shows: h=11 m=57
